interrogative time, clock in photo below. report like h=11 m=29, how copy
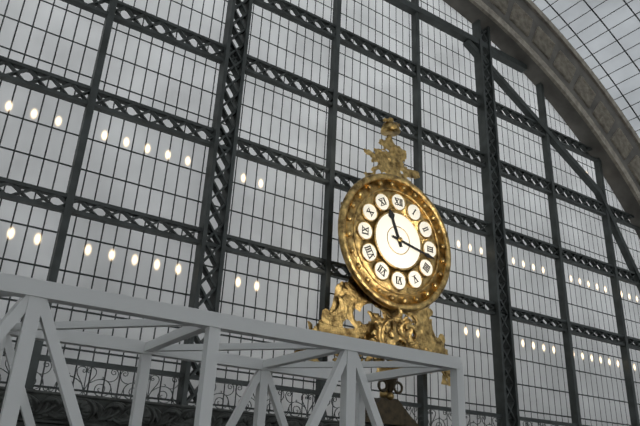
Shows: h=11 m=17
